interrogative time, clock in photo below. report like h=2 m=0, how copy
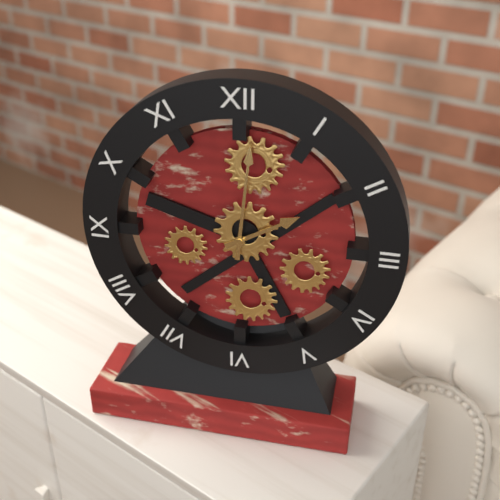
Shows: h=2 m=1
